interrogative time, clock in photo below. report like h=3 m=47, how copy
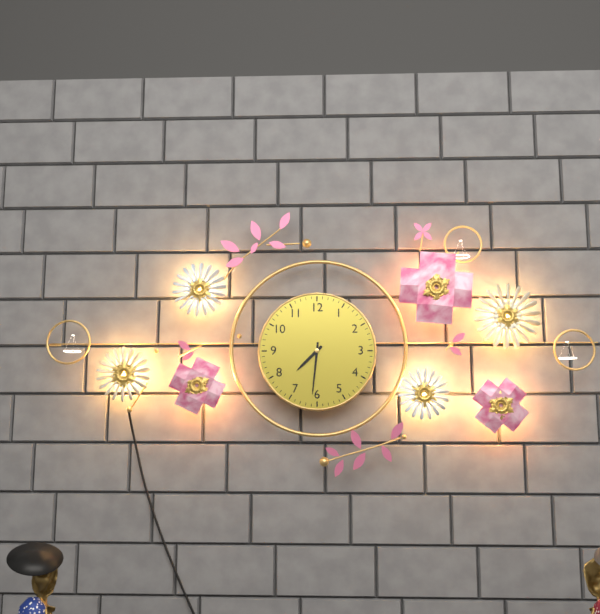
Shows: h=7 m=31
